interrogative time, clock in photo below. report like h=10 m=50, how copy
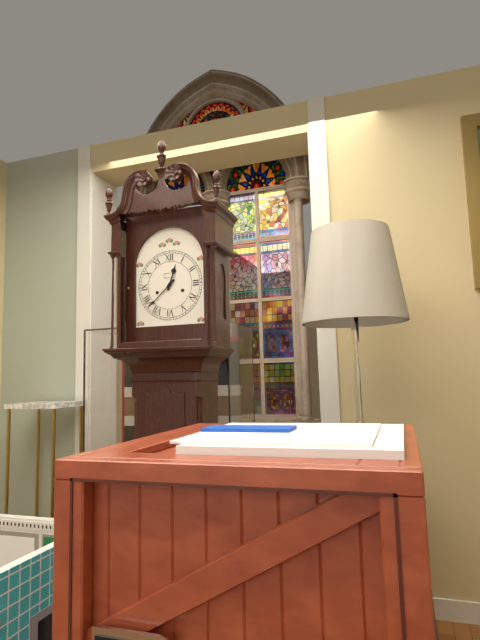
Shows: h=12 m=38
